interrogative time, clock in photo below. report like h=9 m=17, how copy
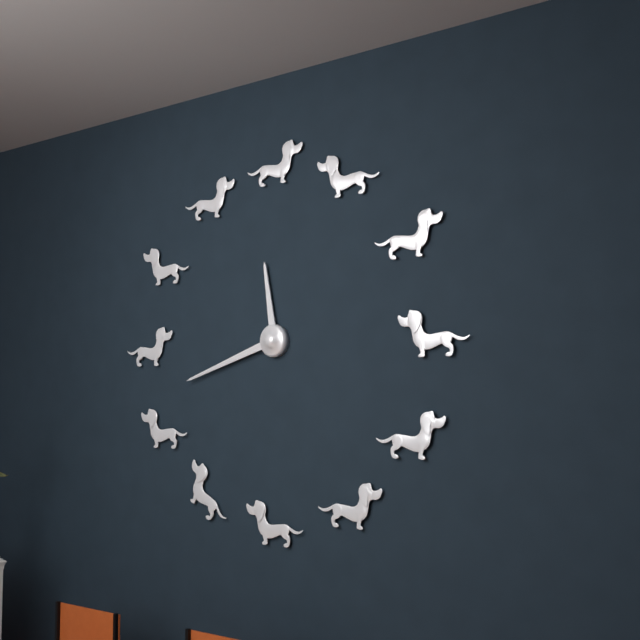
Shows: h=11 m=42
